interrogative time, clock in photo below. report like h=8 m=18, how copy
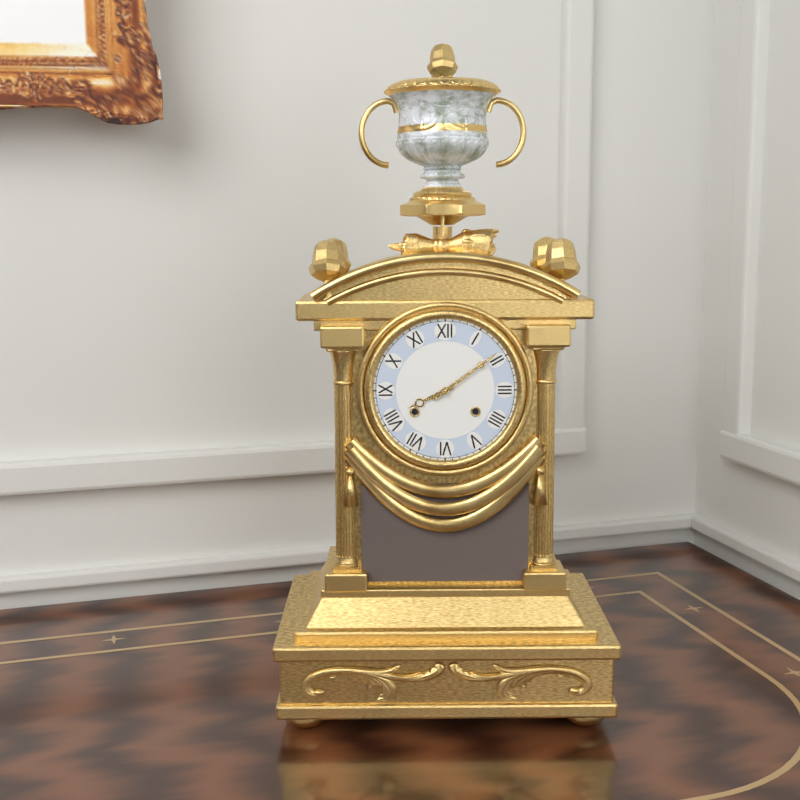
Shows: h=8 m=9
